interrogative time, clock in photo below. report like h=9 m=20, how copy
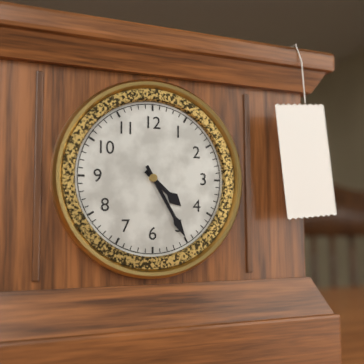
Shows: h=4 m=25
